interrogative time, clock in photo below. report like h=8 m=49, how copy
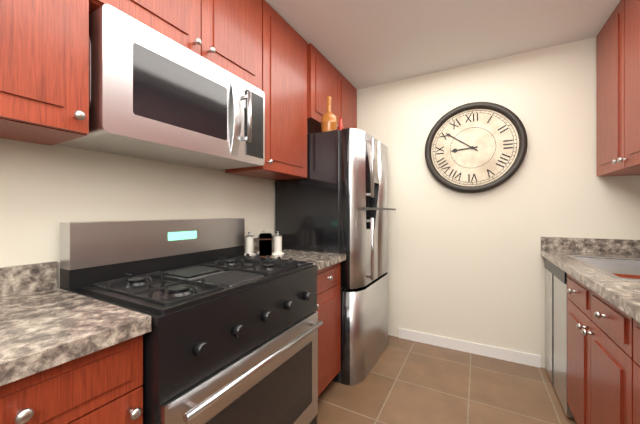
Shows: h=8 m=51
